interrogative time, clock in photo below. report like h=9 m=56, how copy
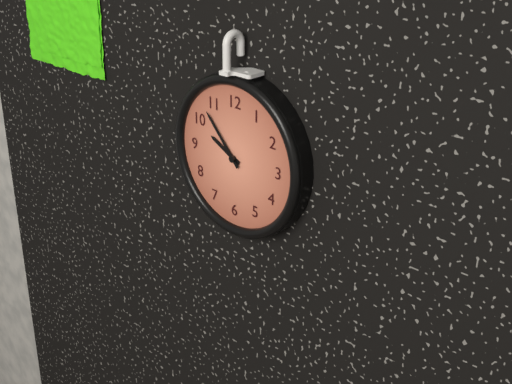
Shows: h=9 m=53
